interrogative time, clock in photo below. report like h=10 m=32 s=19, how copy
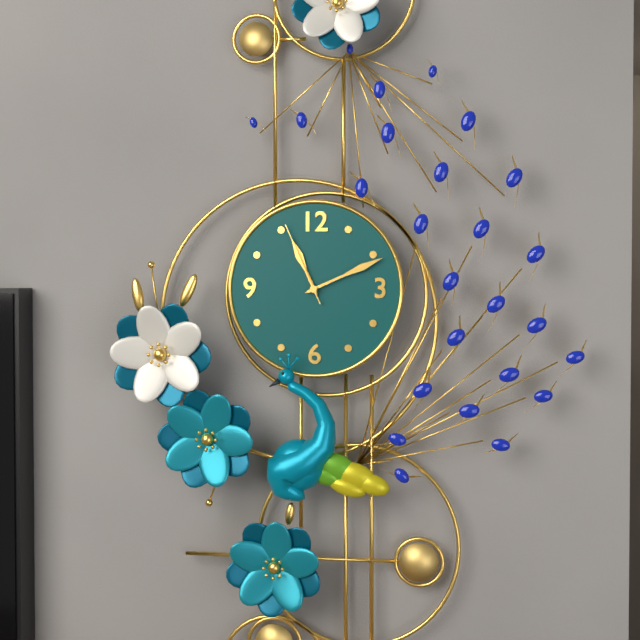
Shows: h=11 m=11 s=56
